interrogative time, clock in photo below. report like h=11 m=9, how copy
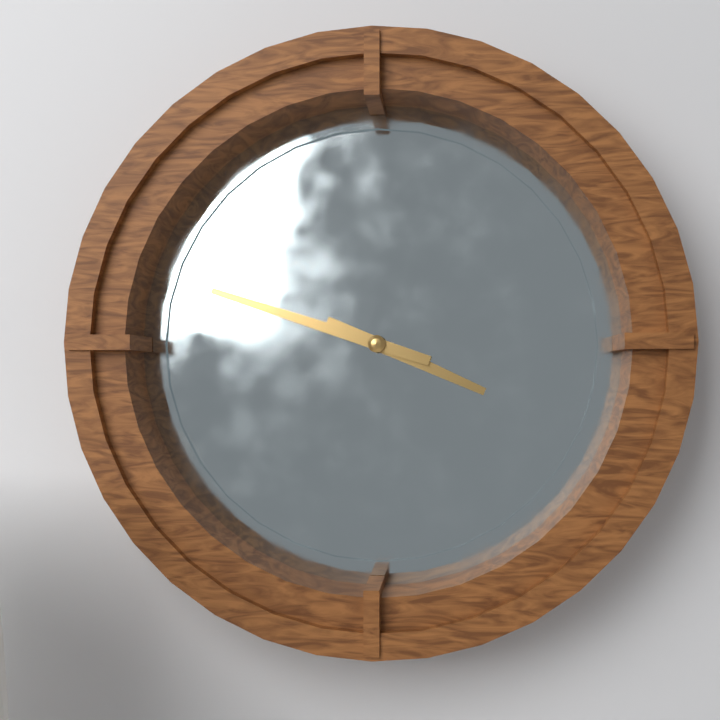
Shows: h=3 m=48
